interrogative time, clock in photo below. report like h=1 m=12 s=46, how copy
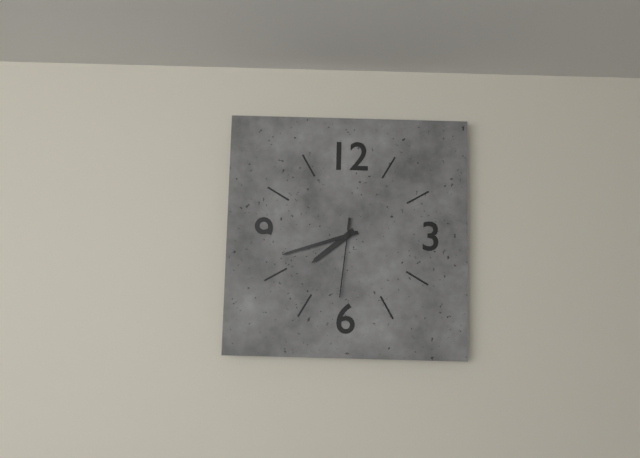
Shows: h=7 m=42 s=31
